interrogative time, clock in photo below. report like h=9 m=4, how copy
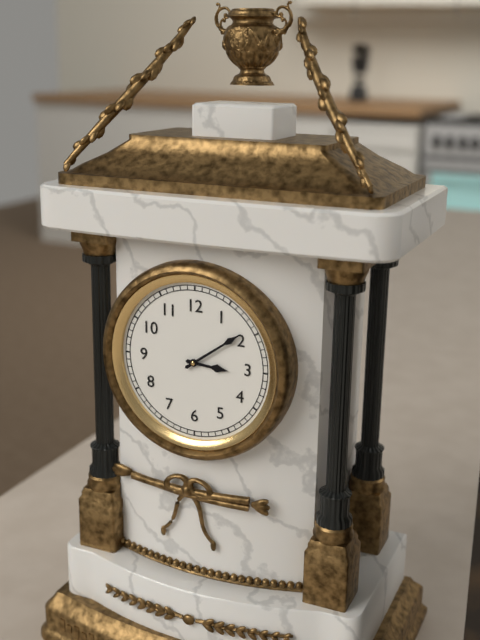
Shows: h=3 m=9
